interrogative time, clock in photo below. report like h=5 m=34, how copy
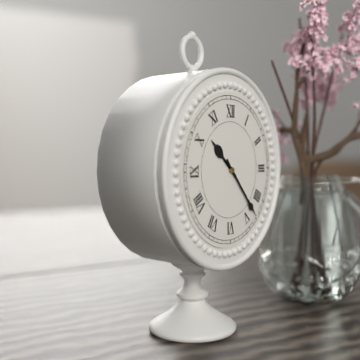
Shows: h=10 m=23
